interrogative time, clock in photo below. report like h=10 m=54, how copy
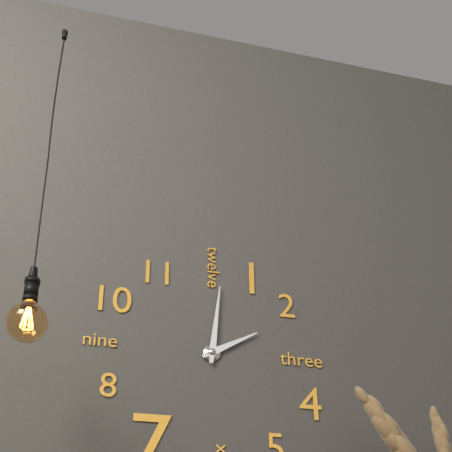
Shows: h=2 m=1
